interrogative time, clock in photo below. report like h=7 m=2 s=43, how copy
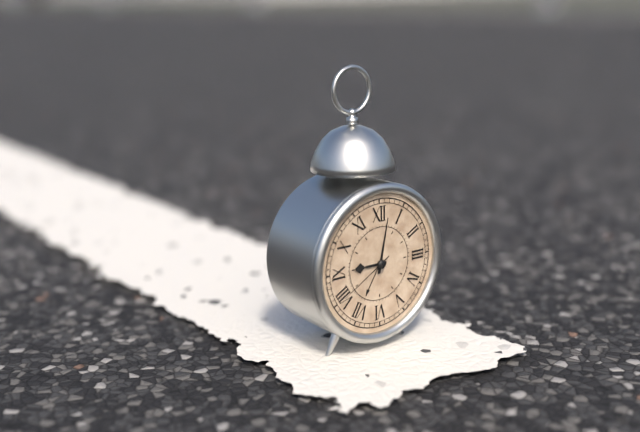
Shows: h=9 m=2 s=40
